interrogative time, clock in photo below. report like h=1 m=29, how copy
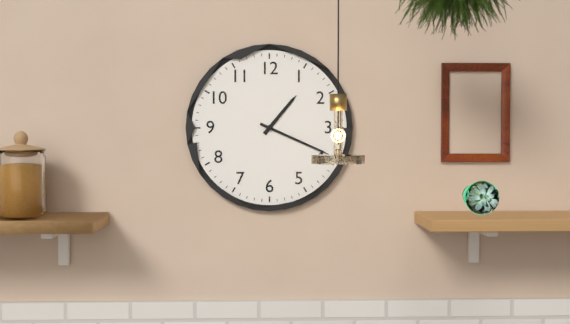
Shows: h=1 m=19
